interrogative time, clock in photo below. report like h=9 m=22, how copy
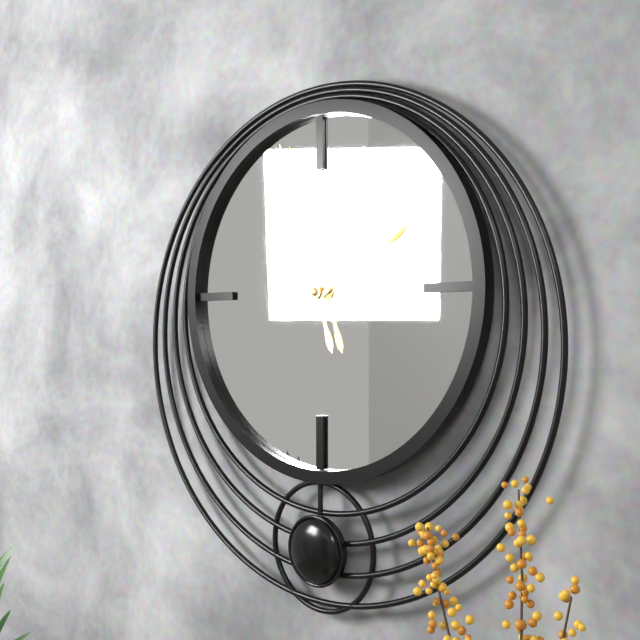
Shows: h=1 m=57
